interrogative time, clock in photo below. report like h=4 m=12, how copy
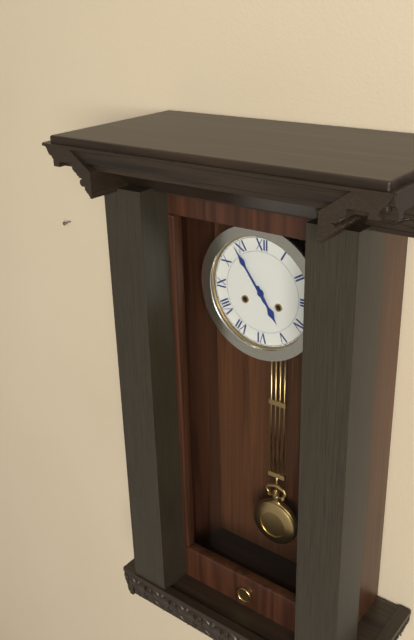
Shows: h=4 m=54
